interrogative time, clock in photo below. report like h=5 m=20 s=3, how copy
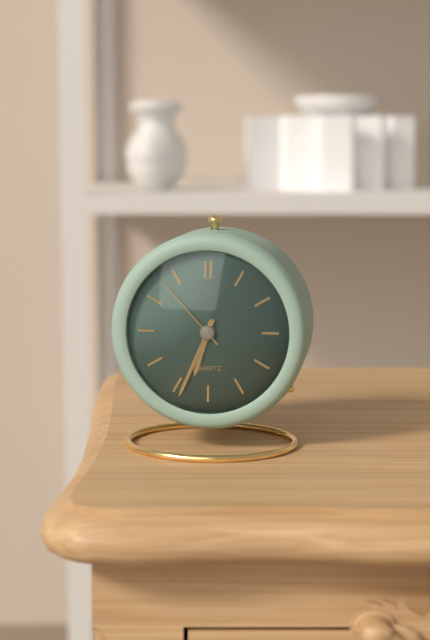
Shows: h=6 m=34 s=53
